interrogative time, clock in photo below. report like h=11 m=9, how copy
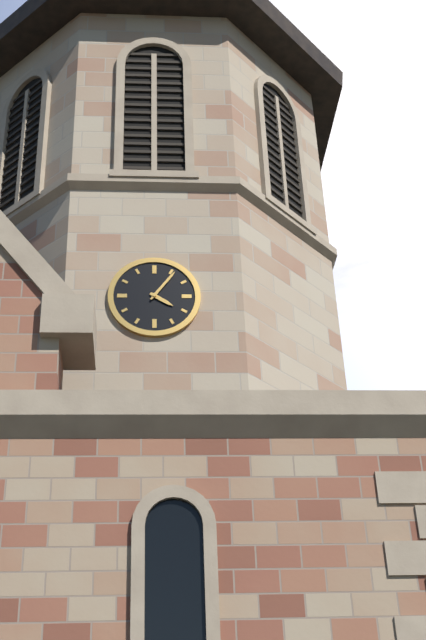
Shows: h=4 m=6
